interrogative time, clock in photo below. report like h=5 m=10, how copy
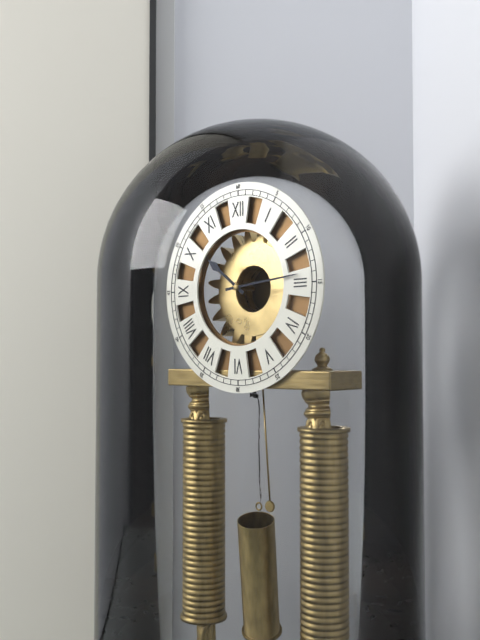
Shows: h=10 m=14
